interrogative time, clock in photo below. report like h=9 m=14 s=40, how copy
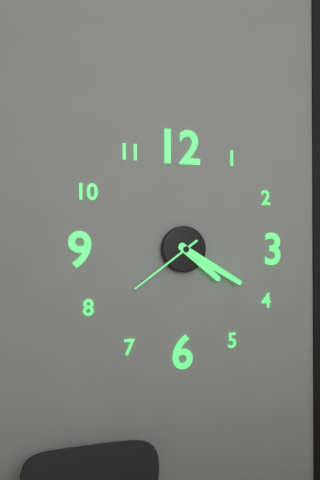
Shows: h=4 m=20 s=39
